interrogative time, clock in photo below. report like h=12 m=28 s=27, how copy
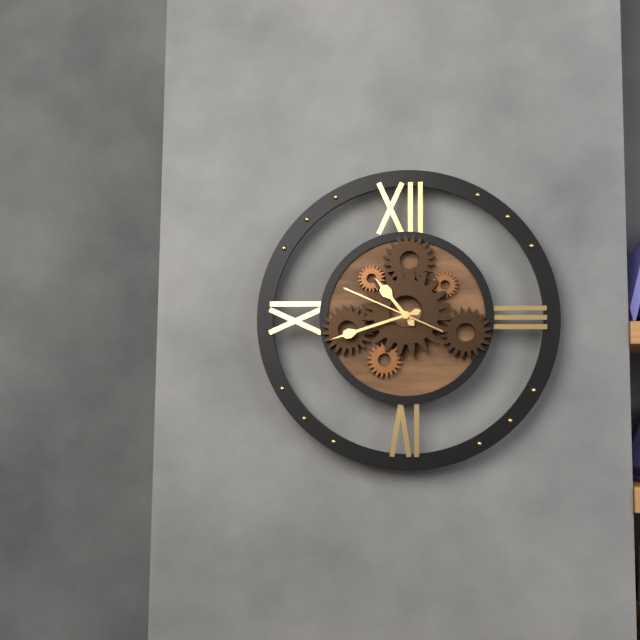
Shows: h=10 m=42 s=49
